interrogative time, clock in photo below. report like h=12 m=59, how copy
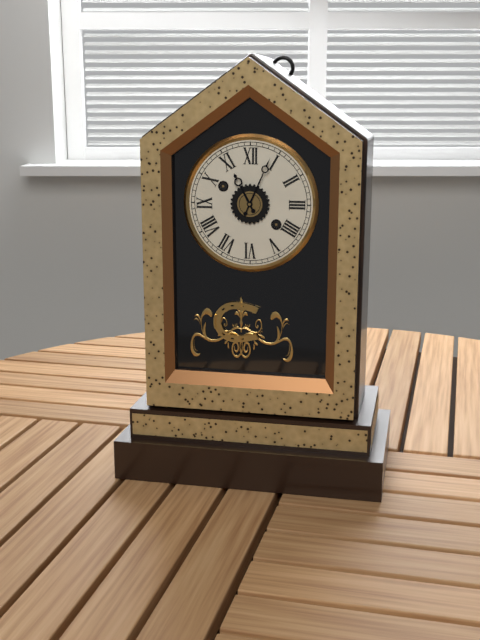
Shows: h=11 m=4
